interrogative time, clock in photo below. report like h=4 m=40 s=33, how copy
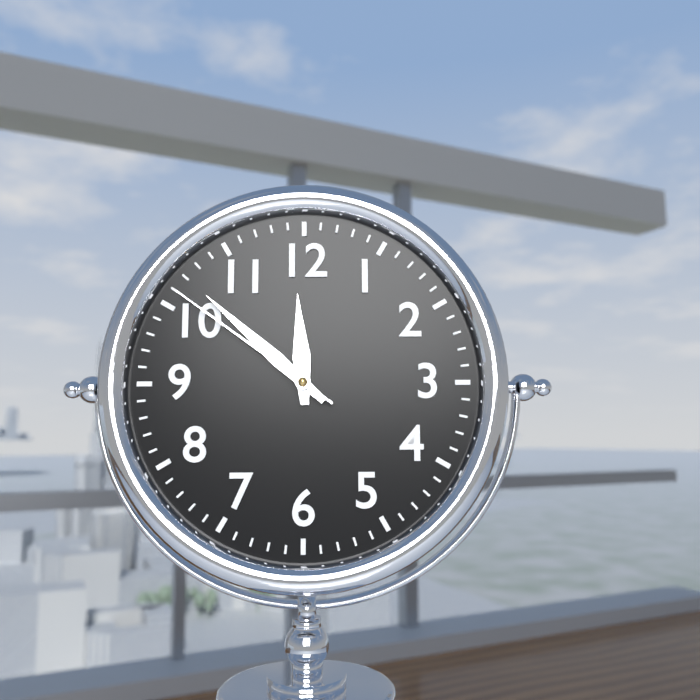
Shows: h=11 m=52 s=51
